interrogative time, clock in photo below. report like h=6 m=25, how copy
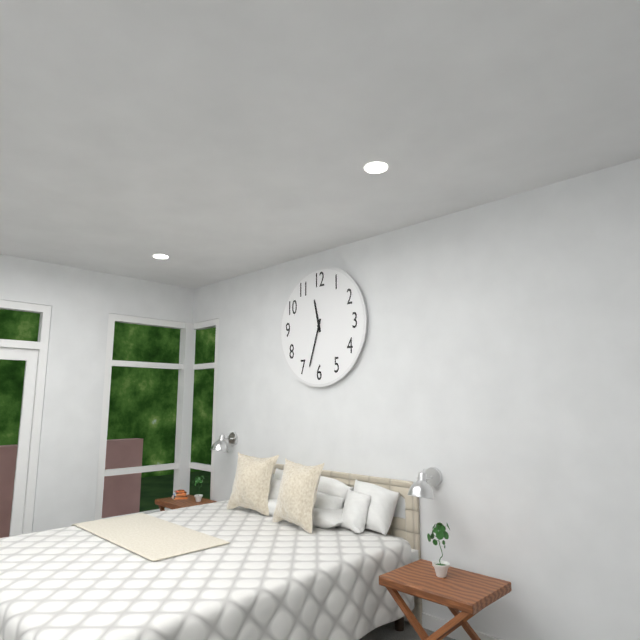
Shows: h=11 m=33
